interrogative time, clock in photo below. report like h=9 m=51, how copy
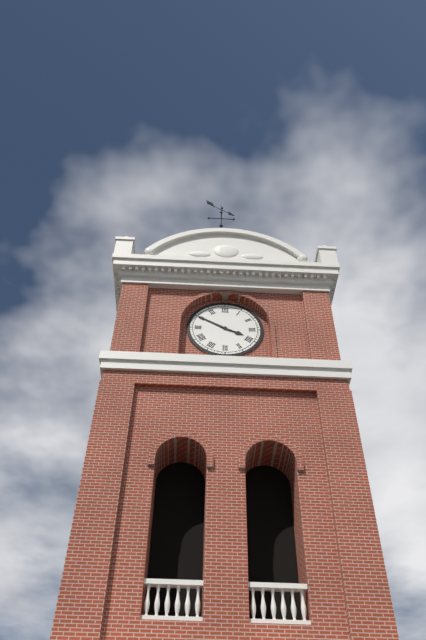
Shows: h=3 m=50
